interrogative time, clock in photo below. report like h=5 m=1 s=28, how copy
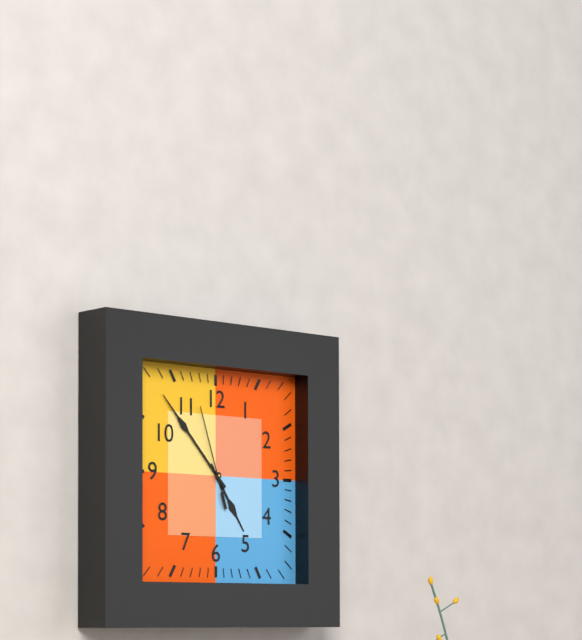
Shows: h=4 m=53 s=57
